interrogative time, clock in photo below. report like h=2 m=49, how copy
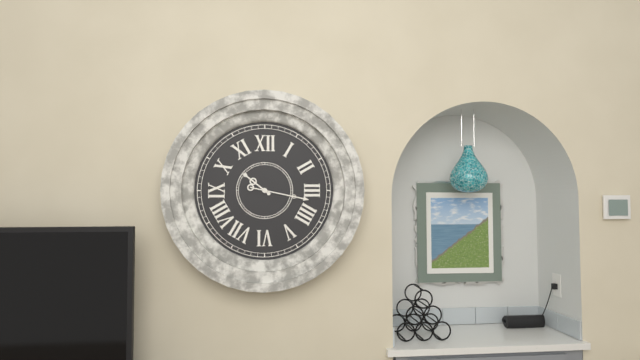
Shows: h=10 m=17
